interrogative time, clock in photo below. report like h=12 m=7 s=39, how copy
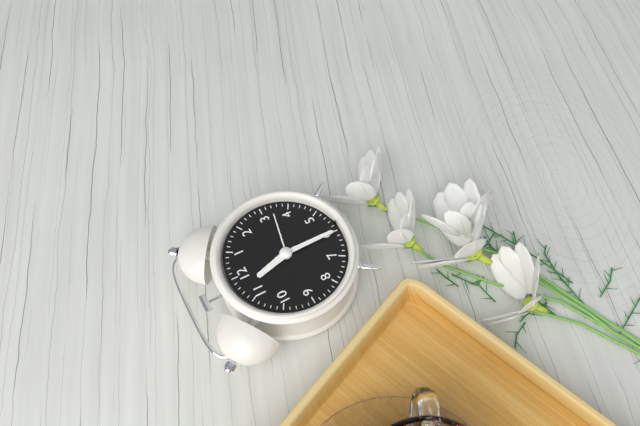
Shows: h=11 m=30 s=17
